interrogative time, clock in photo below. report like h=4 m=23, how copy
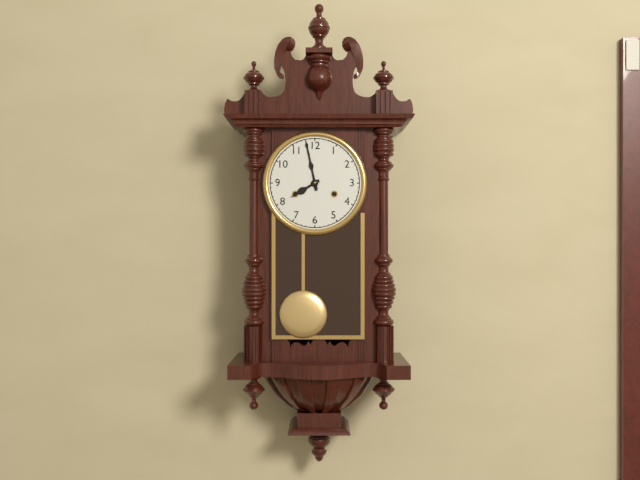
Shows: h=7 m=58
